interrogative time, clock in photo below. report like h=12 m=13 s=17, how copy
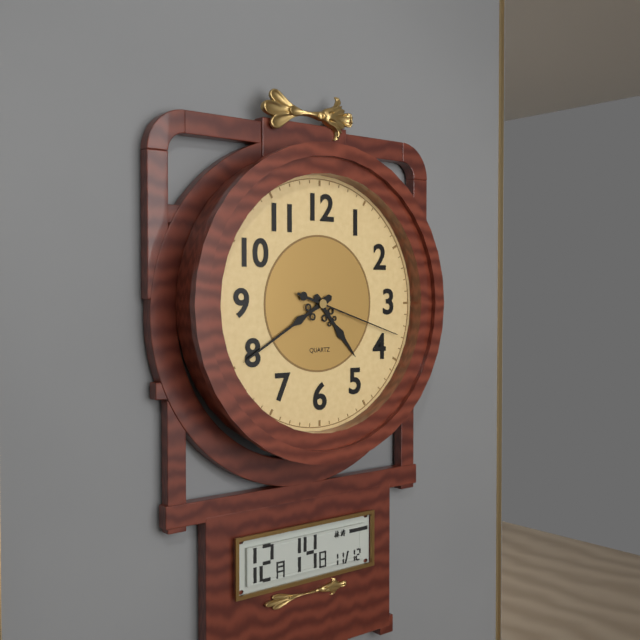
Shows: h=4 m=40 s=18
